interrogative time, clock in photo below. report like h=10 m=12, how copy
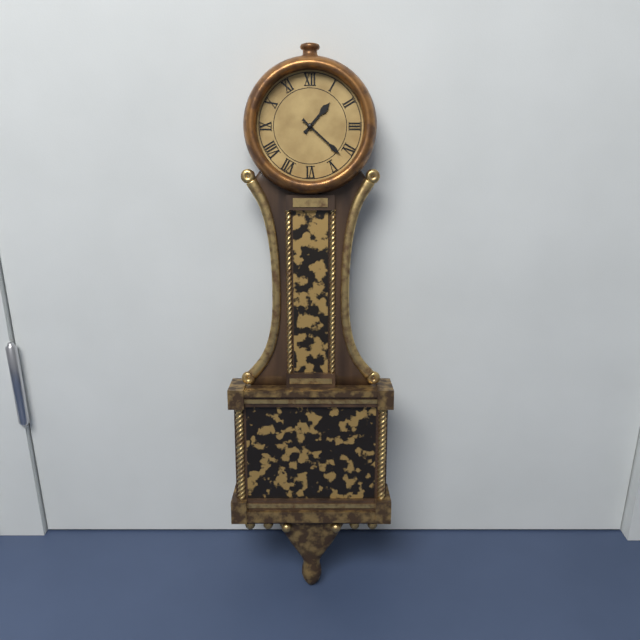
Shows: h=1 m=22
